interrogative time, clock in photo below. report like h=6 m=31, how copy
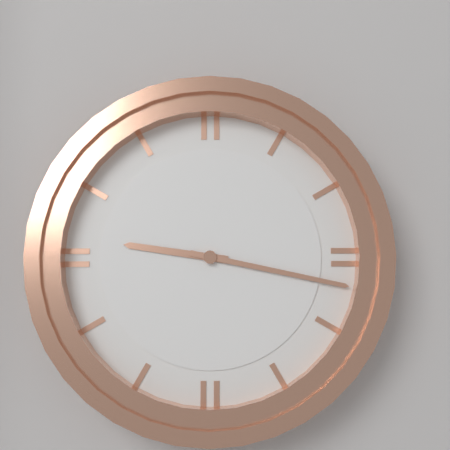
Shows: h=9 m=17
